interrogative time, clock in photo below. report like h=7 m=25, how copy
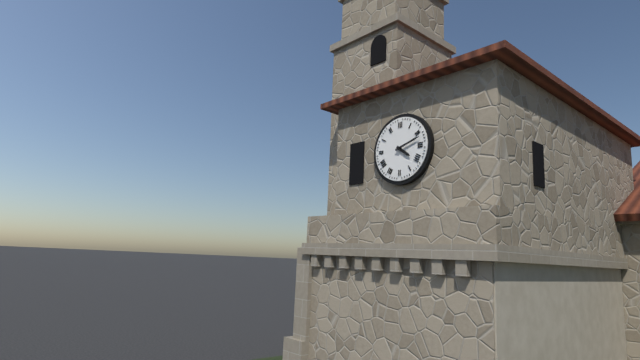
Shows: h=4 m=12
